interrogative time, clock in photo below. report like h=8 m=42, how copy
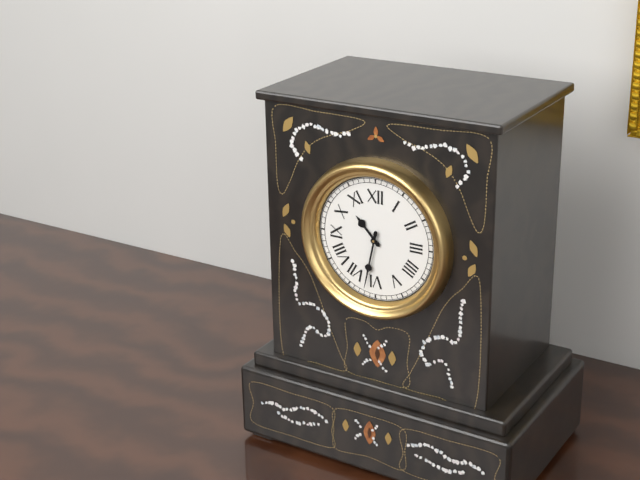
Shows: h=10 m=32
